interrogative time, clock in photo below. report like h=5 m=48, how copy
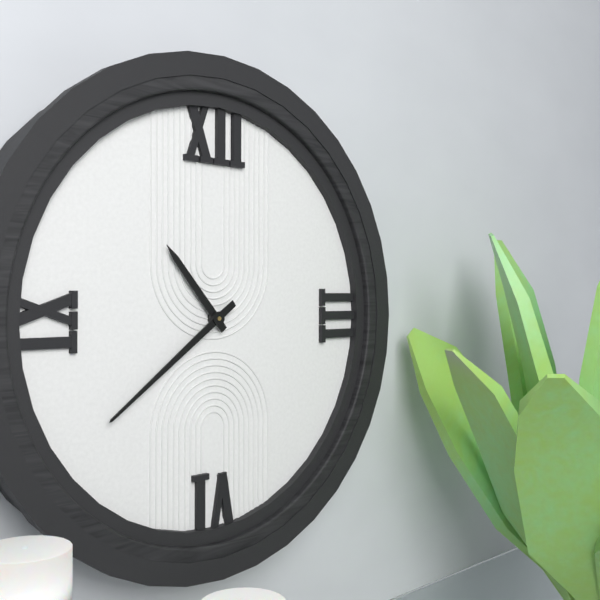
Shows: h=10 m=39
